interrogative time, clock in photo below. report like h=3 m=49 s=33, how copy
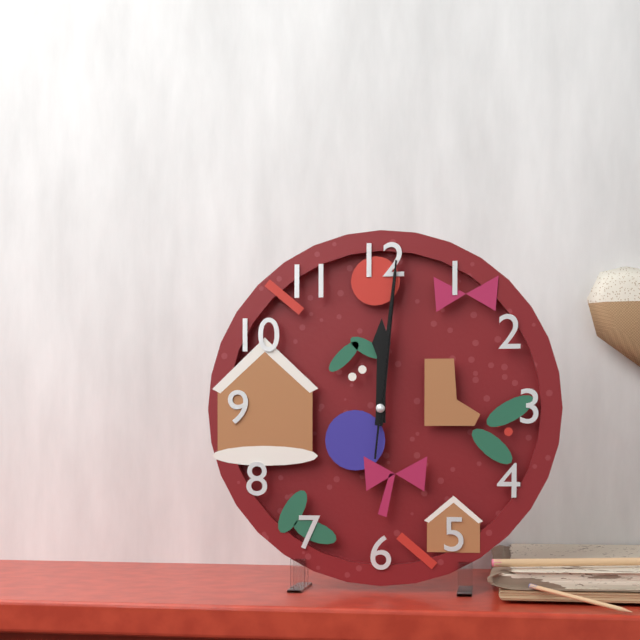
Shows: h=12 m=1 s=1
